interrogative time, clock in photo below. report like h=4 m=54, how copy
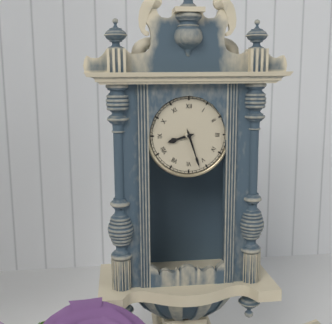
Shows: h=8 m=27
